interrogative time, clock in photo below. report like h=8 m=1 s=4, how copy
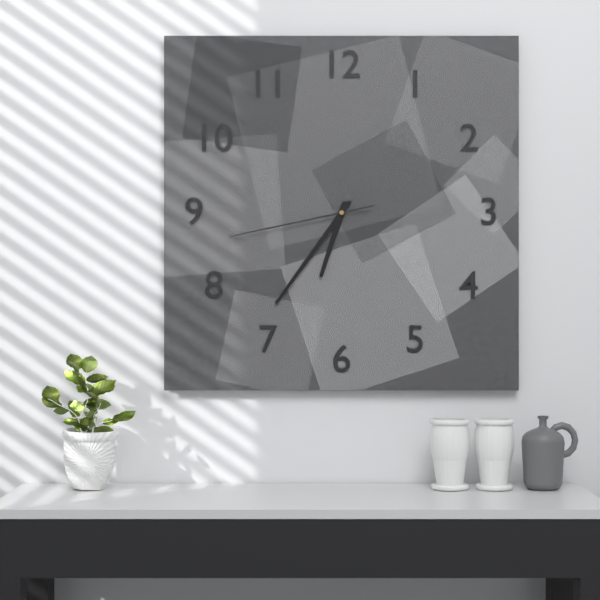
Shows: h=6 m=36 s=43
